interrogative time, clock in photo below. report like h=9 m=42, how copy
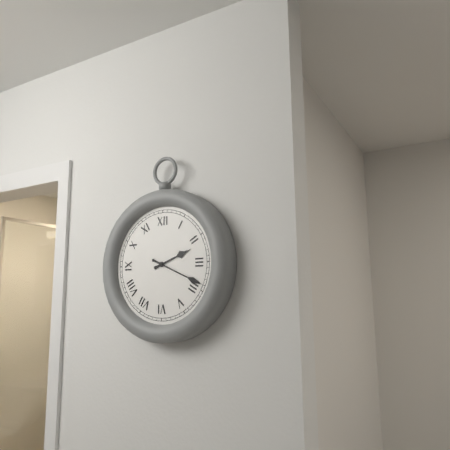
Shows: h=2 m=19
